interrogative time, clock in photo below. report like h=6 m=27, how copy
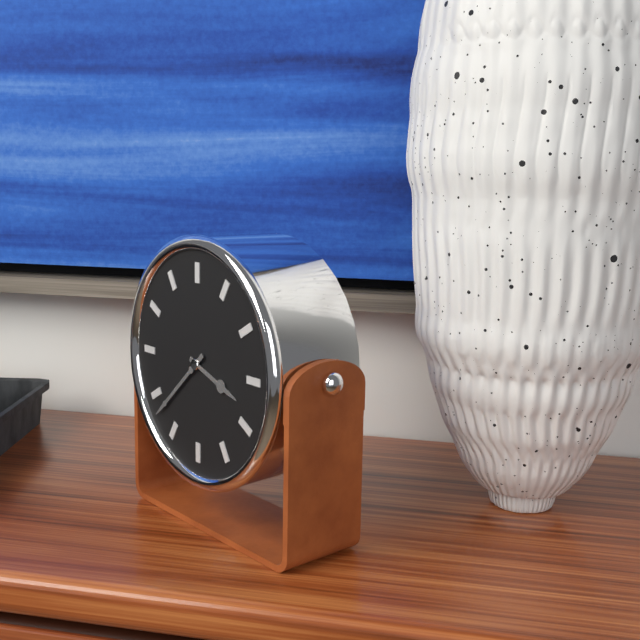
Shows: h=3 m=38
